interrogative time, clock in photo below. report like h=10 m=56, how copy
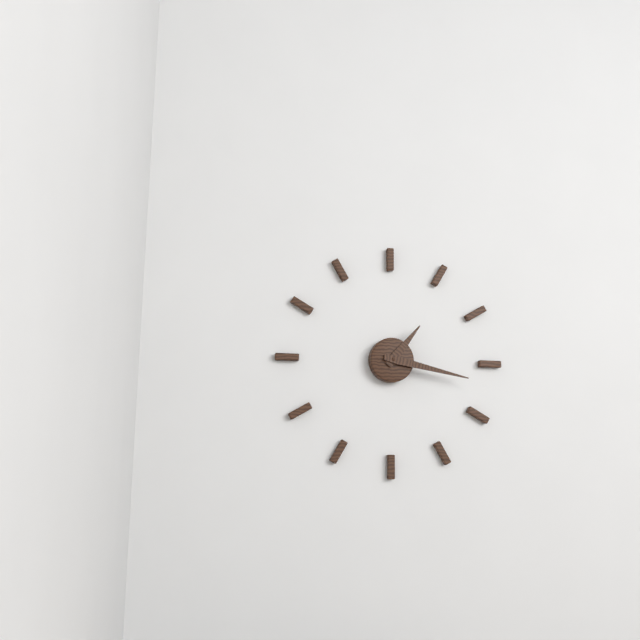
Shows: h=1 m=17
